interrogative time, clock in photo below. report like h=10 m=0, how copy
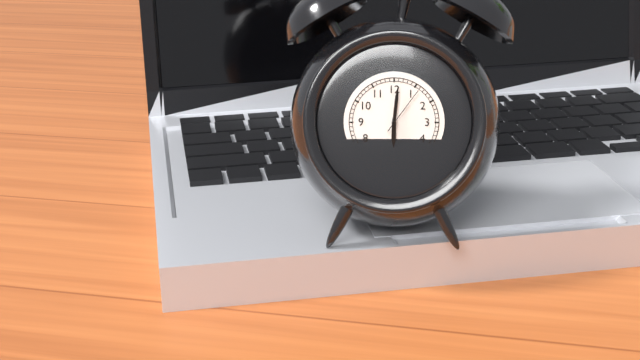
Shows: h=6 m=1
